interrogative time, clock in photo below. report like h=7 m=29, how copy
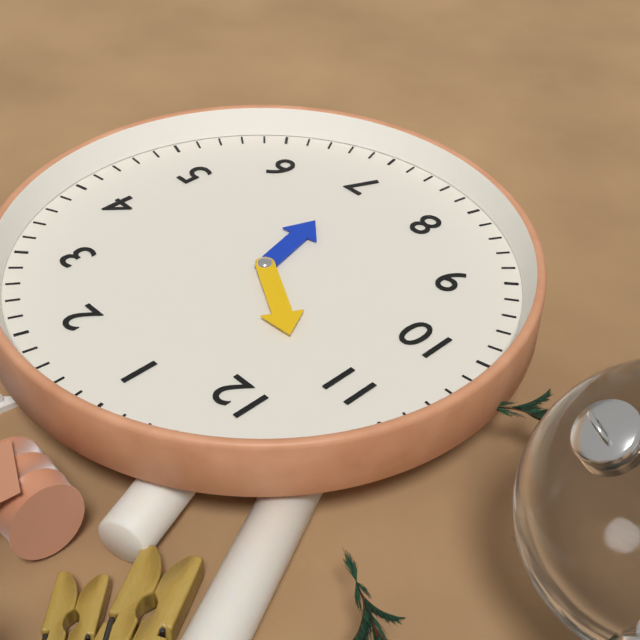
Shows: h=6 m=57
